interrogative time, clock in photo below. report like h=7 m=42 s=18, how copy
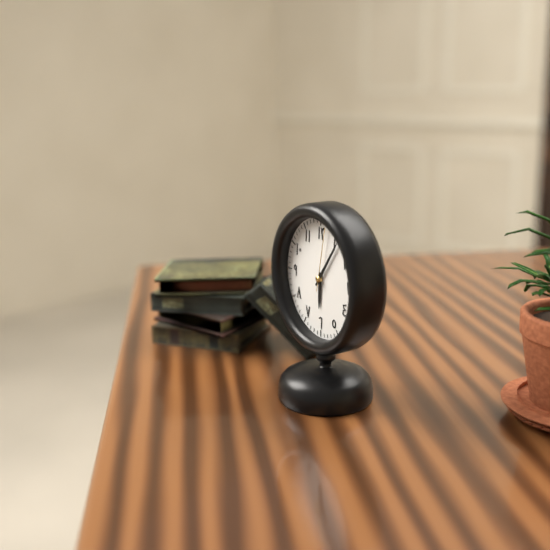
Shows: h=6 m=6 s=2
